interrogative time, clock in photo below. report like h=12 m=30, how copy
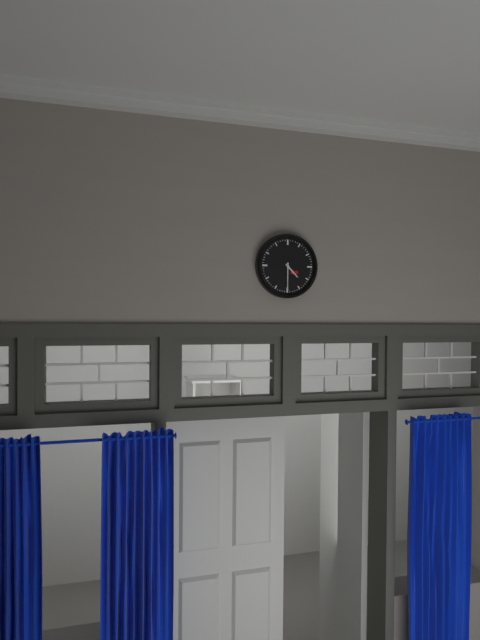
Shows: h=4 m=30
